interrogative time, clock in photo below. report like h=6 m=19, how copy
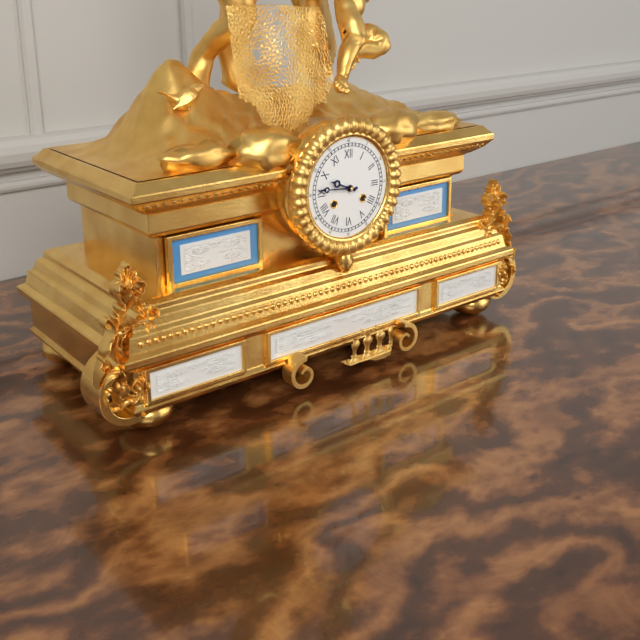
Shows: h=9 m=46
